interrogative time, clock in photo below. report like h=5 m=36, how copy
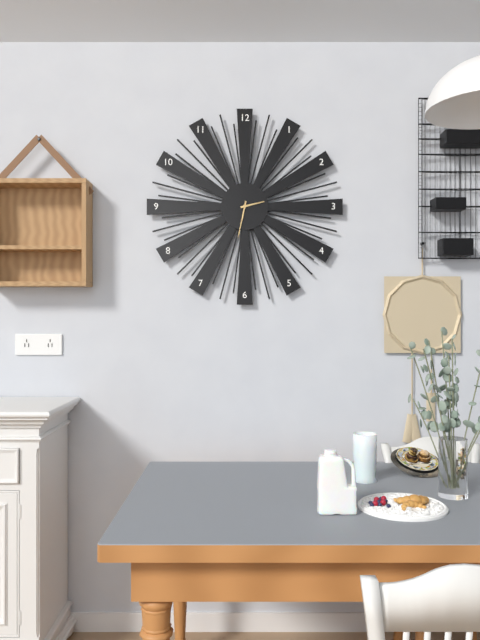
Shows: h=2 m=32
